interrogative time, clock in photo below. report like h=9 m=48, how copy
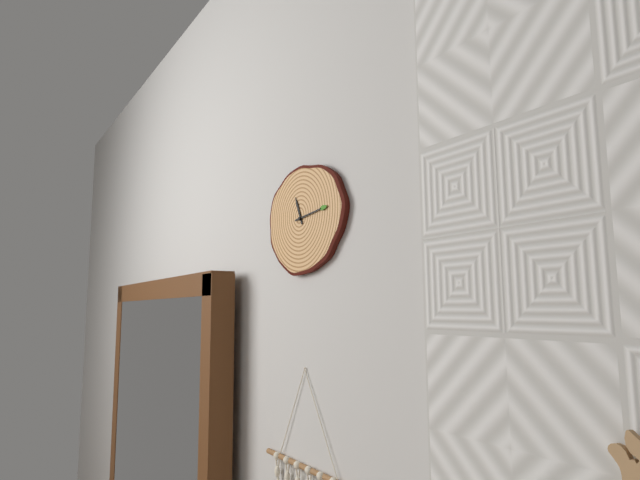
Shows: h=11 m=14
